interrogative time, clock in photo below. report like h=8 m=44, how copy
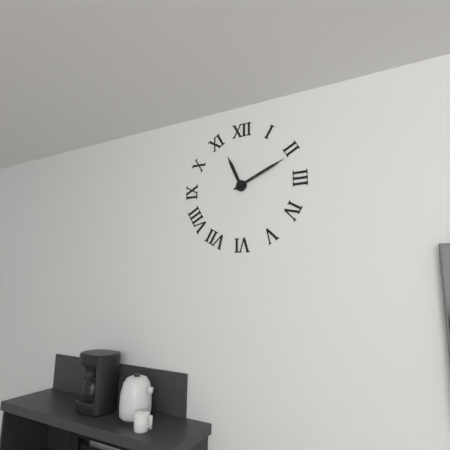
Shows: h=11 m=11
